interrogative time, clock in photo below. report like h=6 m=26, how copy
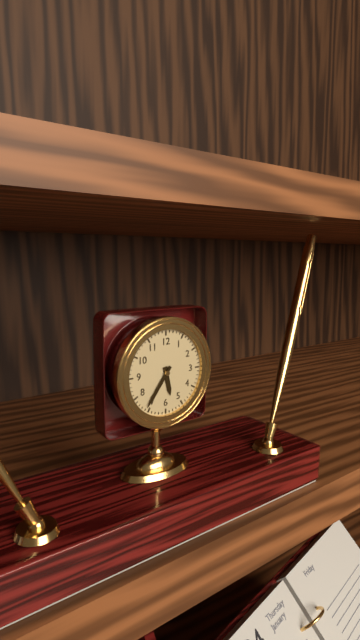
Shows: h=5 m=36
